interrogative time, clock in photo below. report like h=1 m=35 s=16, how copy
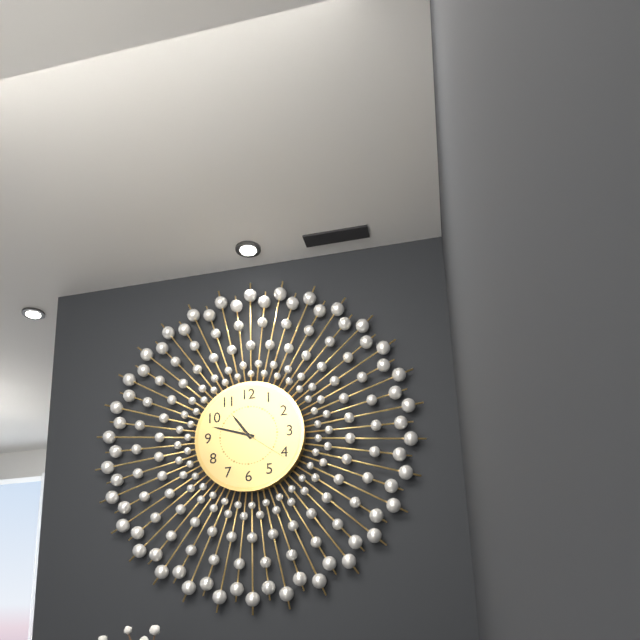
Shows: h=10 m=48 s=21
